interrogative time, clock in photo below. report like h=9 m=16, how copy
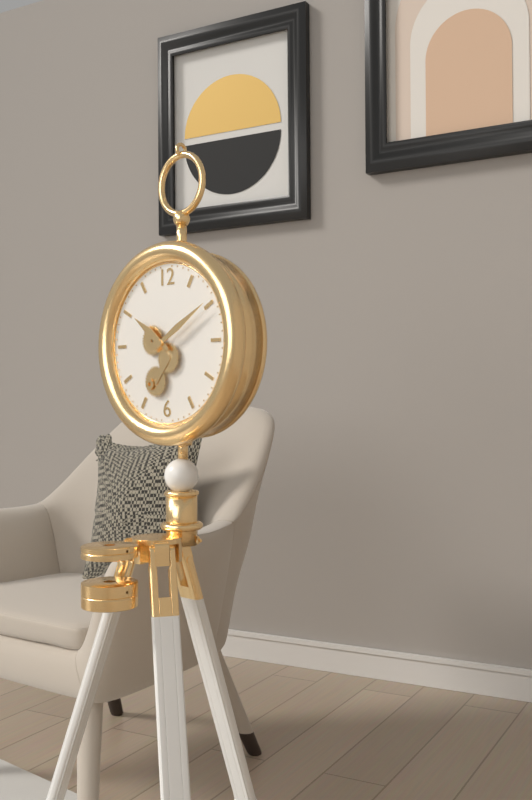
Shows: h=10 m=10
